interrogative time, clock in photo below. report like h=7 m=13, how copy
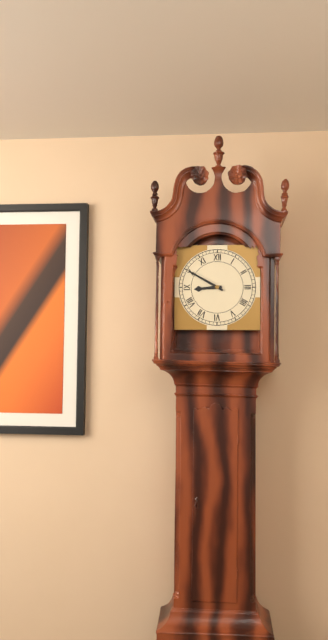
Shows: h=8 m=50
